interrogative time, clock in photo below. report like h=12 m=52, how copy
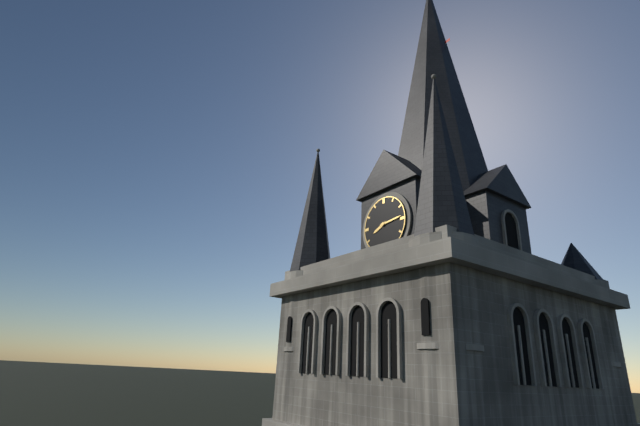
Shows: h=8 m=14
